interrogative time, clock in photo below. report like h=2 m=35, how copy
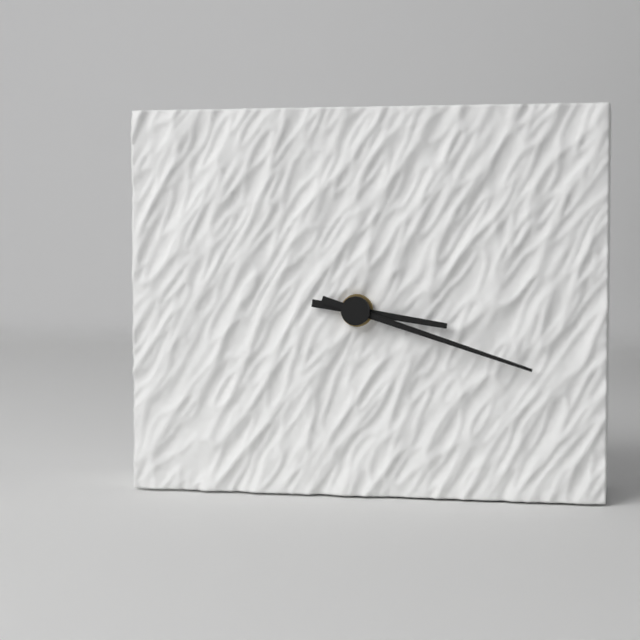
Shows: h=3 m=18
